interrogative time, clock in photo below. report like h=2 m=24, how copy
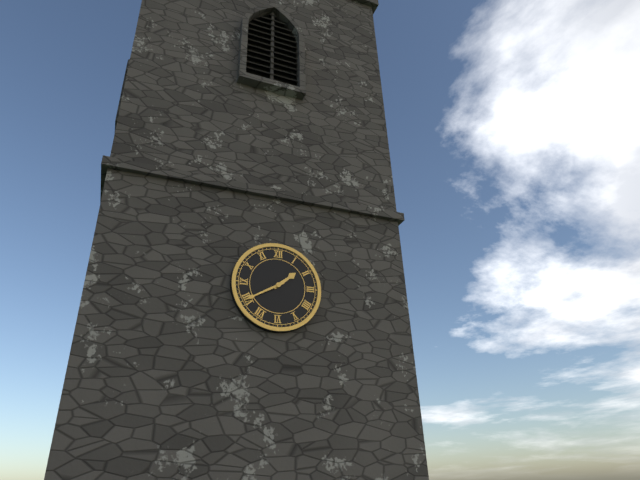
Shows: h=1 m=40
